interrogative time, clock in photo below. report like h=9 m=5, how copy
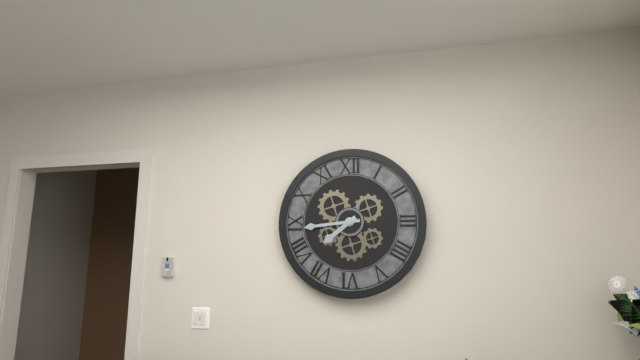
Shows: h=7 m=44
